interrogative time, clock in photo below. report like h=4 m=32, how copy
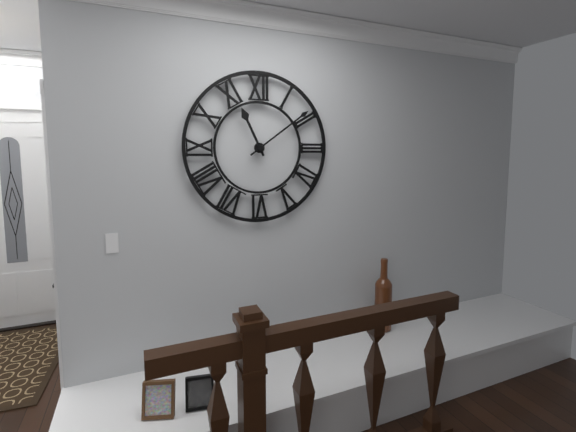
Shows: h=11 m=9
